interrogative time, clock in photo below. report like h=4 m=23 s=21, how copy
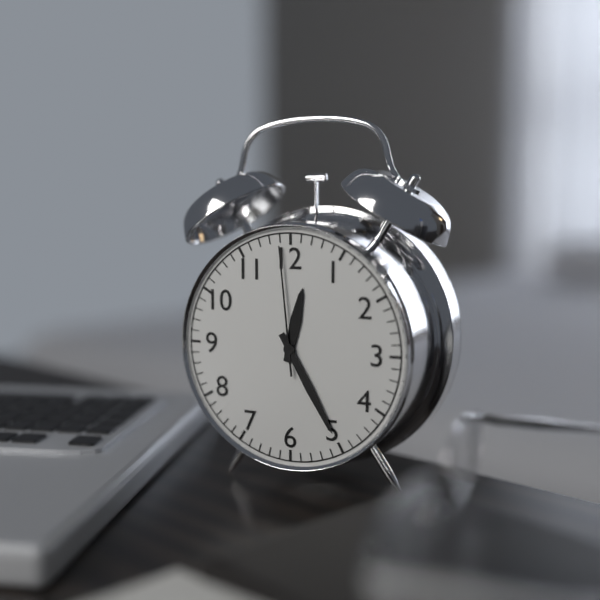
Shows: h=12 m=25 s=59
